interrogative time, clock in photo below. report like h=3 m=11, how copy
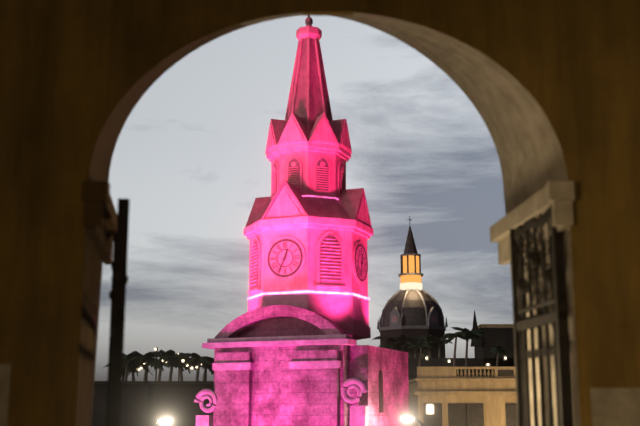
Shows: h=12 m=34
